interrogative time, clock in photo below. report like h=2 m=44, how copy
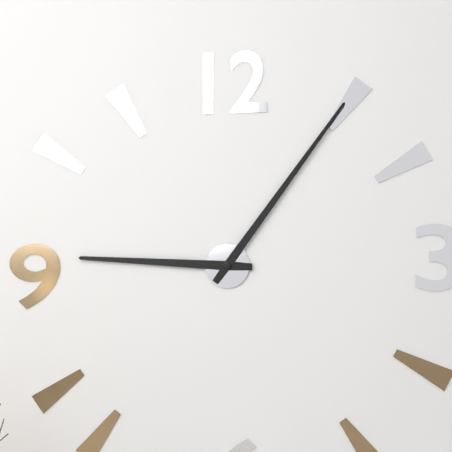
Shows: h=9 m=6
